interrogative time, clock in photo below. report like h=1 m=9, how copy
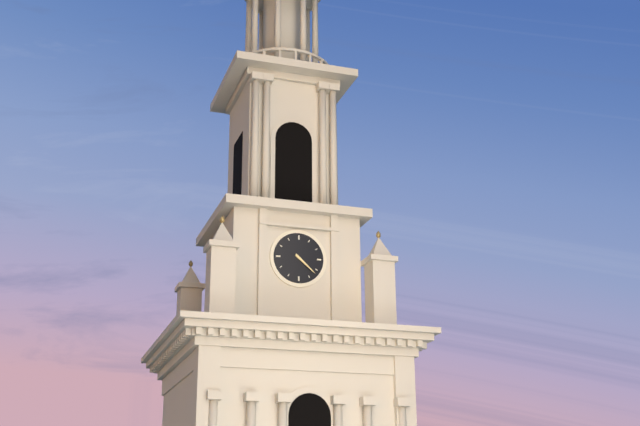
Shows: h=4 m=22
